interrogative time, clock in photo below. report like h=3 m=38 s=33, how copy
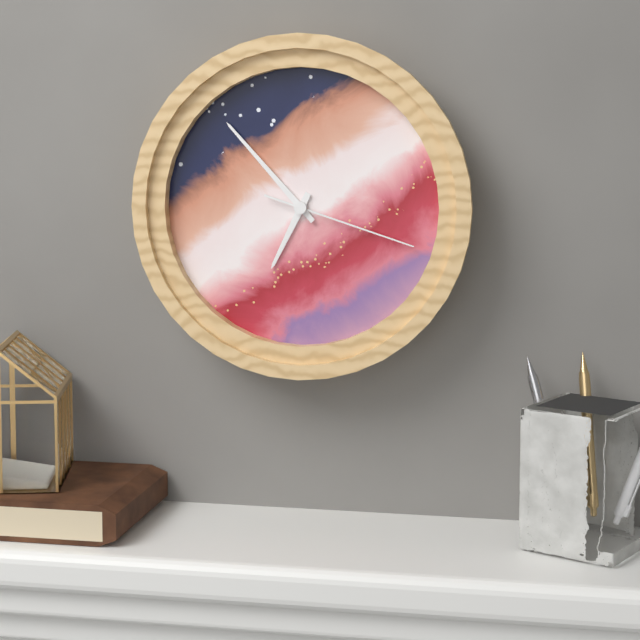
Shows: h=6 m=53 s=18
